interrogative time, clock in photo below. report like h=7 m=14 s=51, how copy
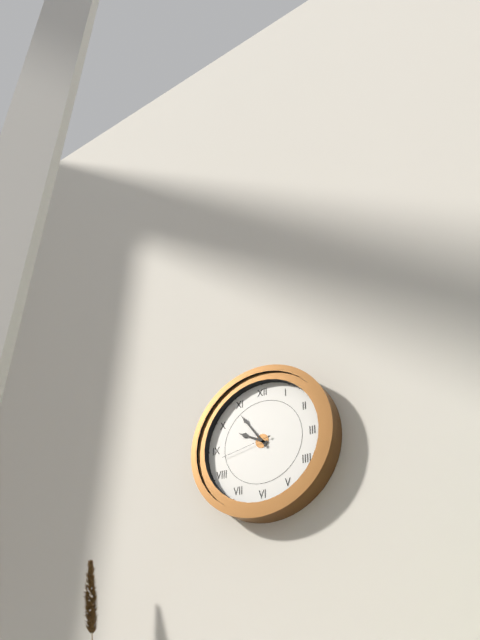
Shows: h=9 m=54 s=43
